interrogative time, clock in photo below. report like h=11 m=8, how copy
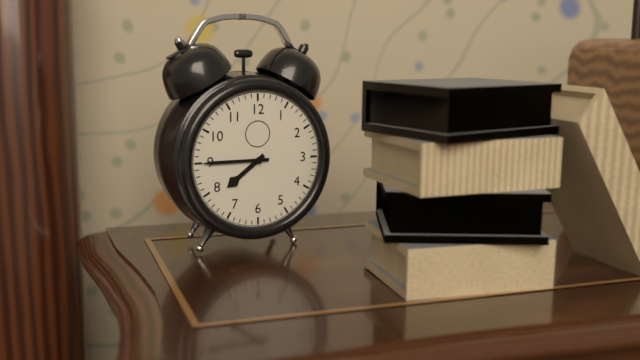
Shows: h=7 m=45
